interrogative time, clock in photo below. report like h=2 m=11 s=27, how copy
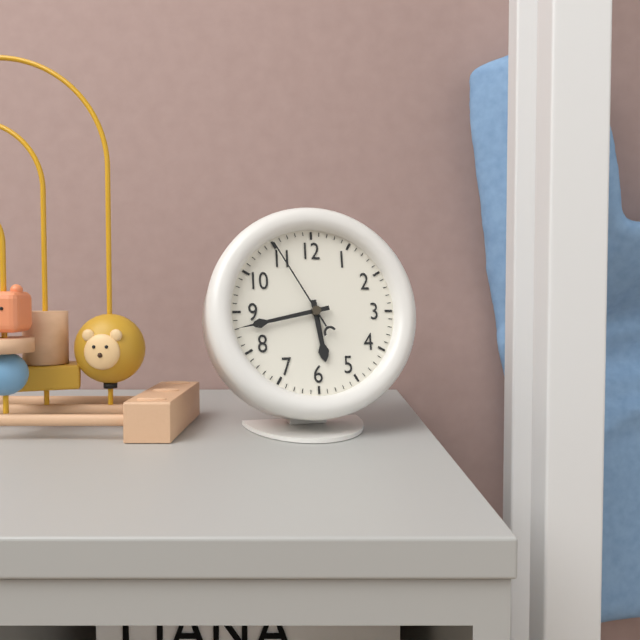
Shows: h=5 m=43 s=55
